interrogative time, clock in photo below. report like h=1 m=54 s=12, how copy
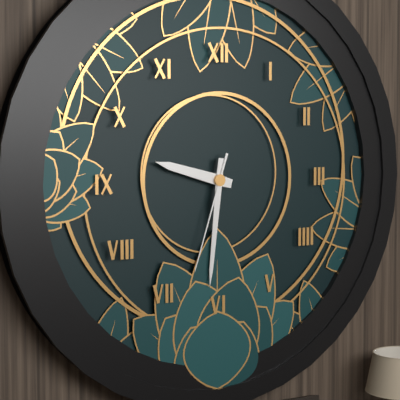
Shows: h=9 m=31 s=33
